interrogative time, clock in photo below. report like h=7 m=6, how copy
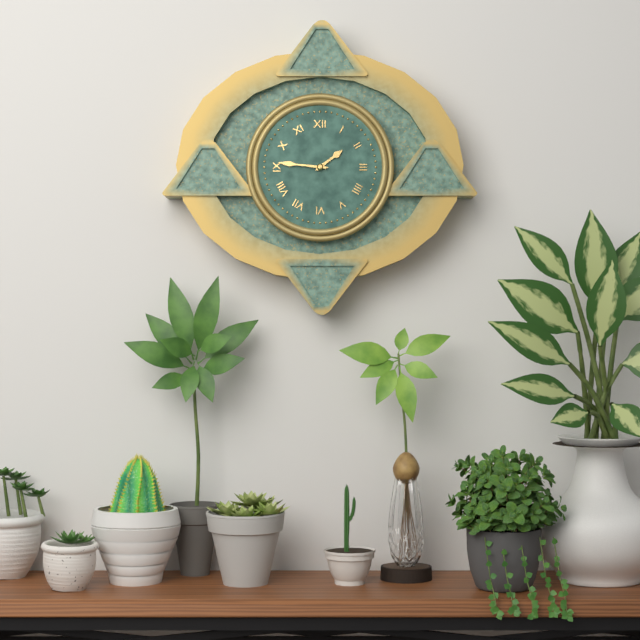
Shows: h=1 m=46
